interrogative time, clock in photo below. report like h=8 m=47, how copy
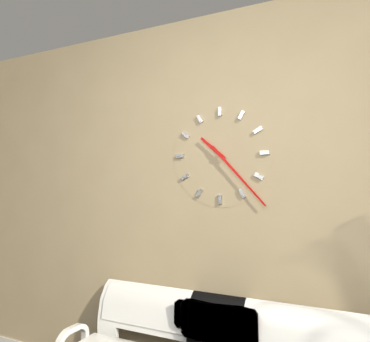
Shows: h=10 m=23
